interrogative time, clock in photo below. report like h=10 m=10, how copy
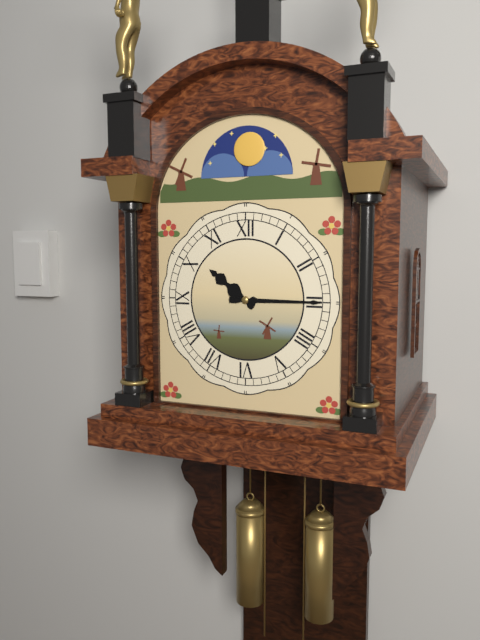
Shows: h=10 m=15
